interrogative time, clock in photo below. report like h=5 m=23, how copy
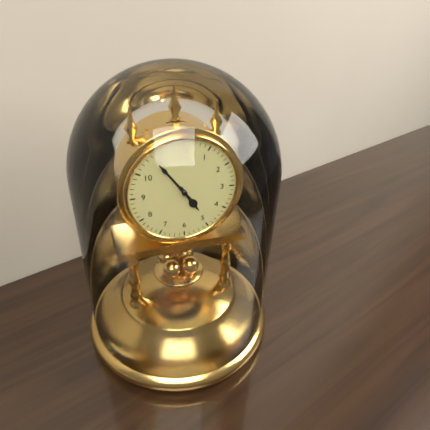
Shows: h=4 m=54
